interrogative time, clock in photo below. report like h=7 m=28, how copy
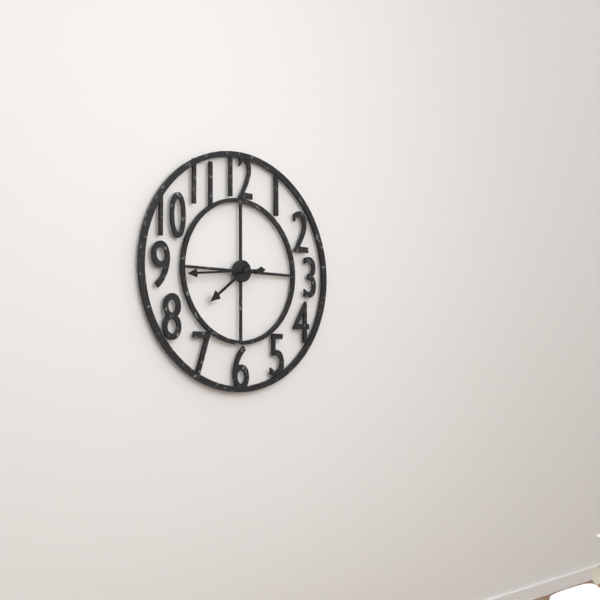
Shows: h=7 m=44
